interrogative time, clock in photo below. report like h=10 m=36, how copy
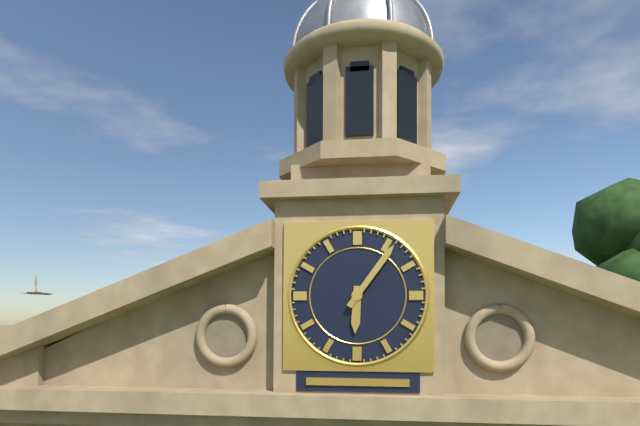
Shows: h=6 m=6
